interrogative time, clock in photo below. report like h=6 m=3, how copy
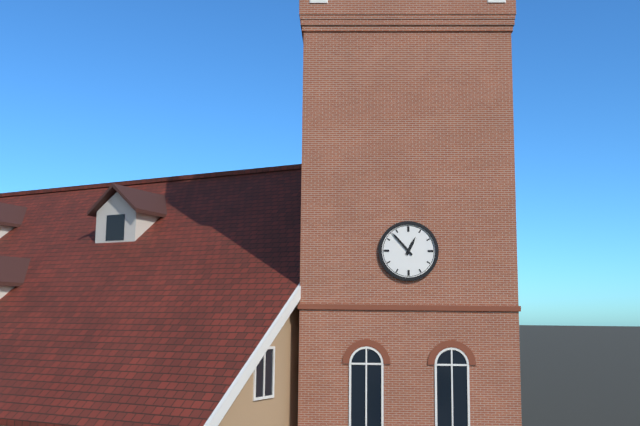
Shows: h=12 m=53
